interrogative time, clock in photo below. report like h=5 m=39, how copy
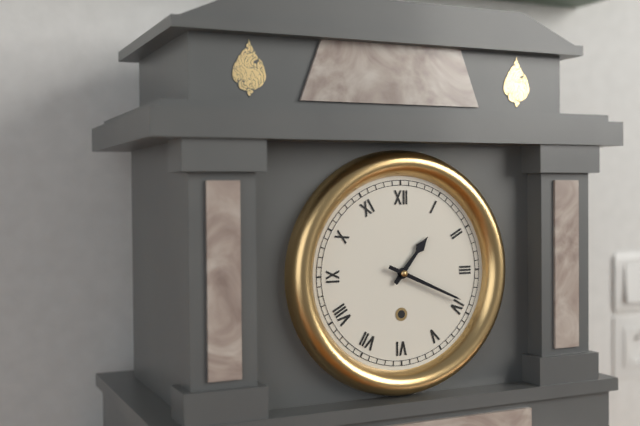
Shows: h=1 m=19
